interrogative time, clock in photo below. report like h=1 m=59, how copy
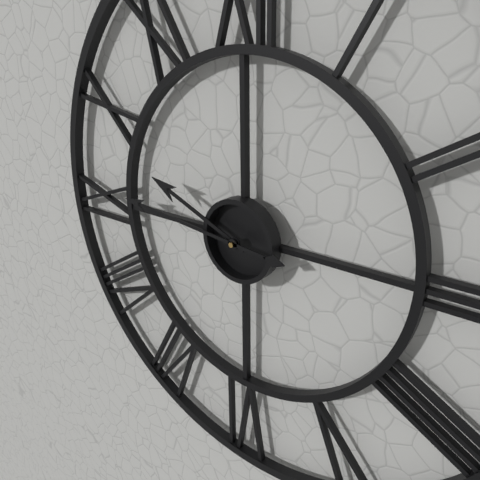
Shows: h=9 m=46
